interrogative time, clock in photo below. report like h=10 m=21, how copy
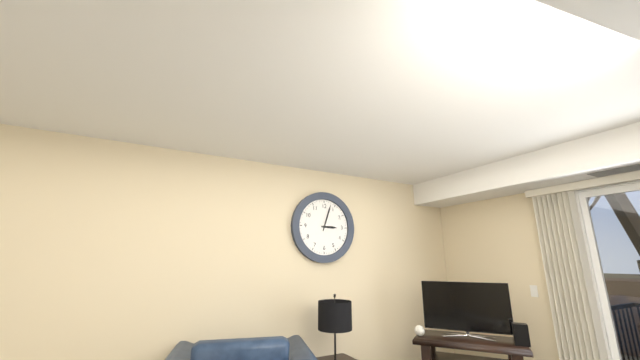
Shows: h=3 m=3
